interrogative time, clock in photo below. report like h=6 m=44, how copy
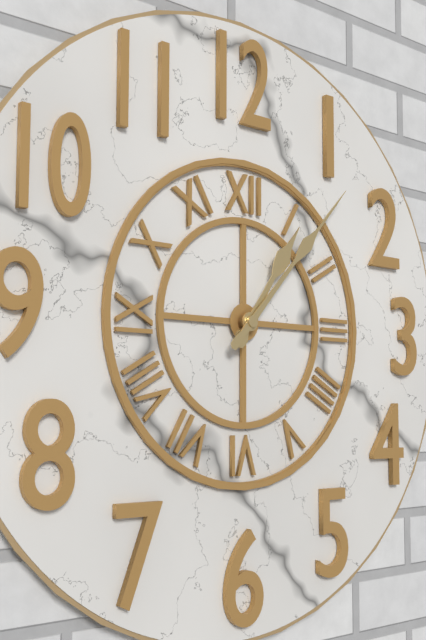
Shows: h=1 m=7
